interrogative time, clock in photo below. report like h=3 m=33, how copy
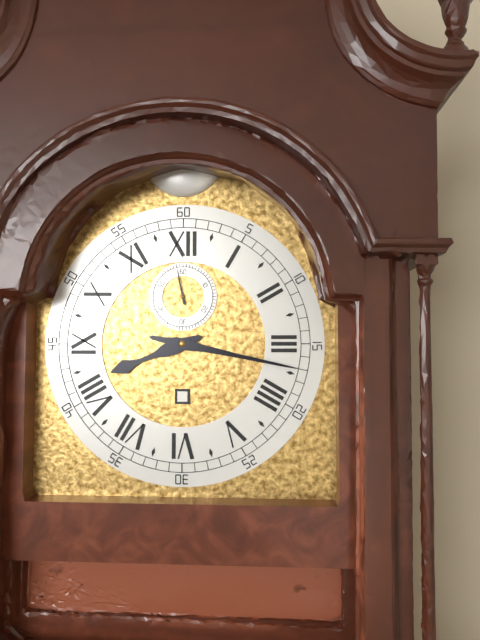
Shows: h=8 m=17
